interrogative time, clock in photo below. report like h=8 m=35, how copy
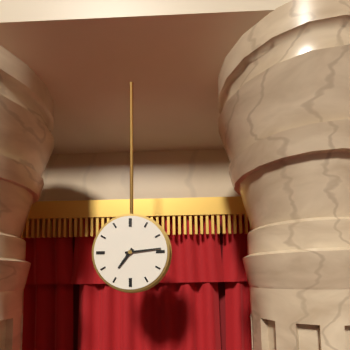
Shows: h=7 m=14
